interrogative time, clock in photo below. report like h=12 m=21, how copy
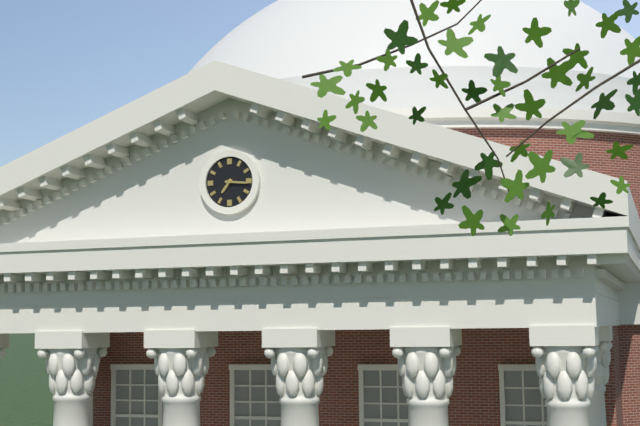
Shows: h=7 m=16
